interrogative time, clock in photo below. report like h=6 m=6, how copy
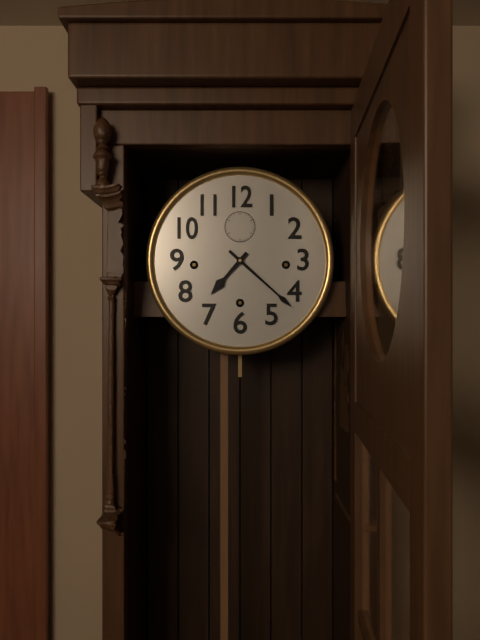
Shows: h=7 m=22
